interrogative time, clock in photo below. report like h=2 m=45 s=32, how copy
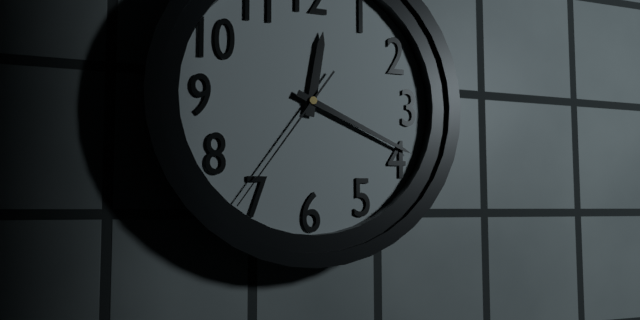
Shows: h=12 m=19 s=36
